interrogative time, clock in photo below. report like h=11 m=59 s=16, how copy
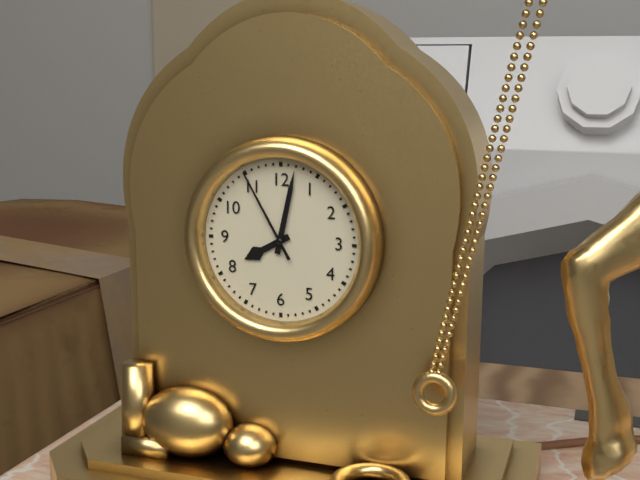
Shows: h=8 m=2 s=55
